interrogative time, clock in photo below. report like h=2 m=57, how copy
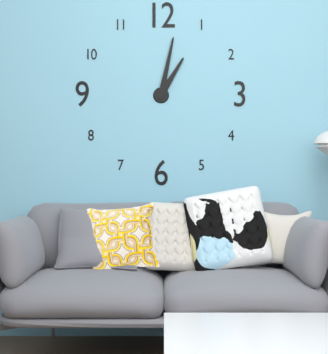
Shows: h=1 m=2
